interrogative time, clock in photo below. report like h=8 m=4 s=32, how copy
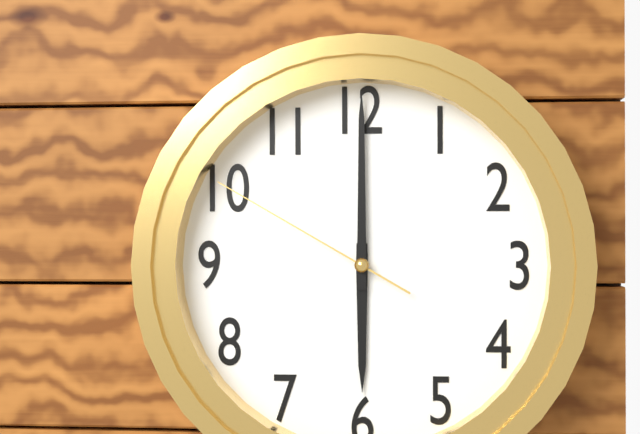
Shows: h=6 m=0 s=50
